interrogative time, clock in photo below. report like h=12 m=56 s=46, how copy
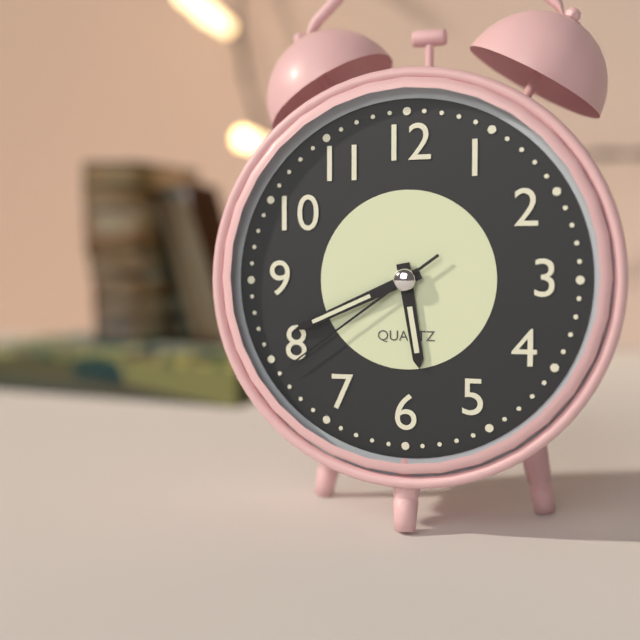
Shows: h=5 m=41 s=39
